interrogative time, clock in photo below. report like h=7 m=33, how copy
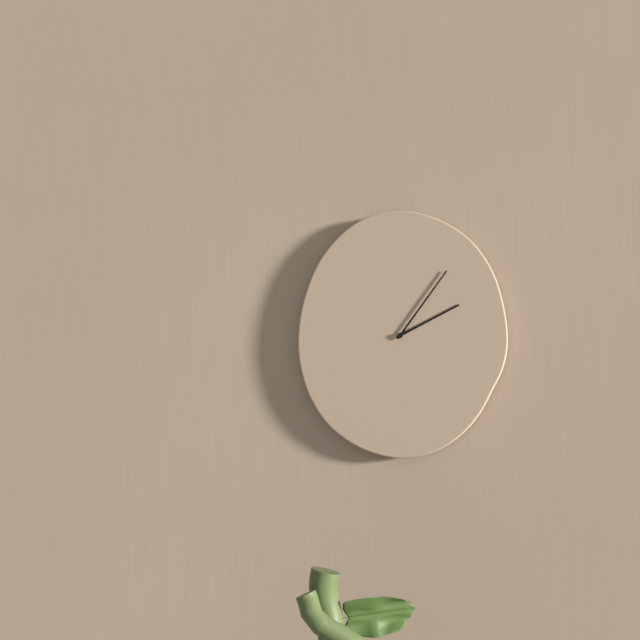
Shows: h=2 m=6
